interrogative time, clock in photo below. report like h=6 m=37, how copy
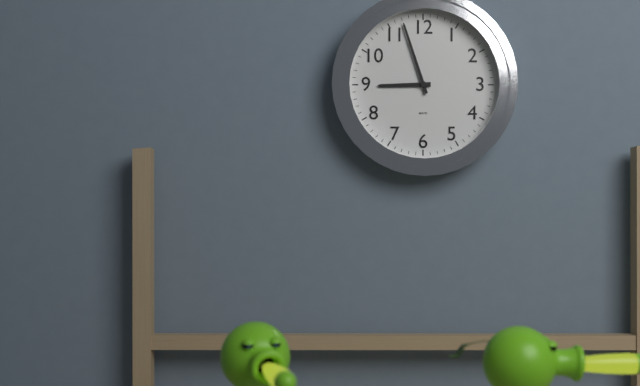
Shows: h=8 m=57
